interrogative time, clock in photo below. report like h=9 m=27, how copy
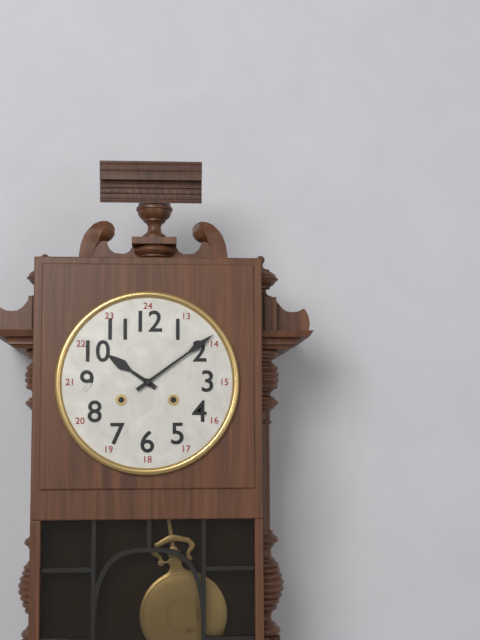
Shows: h=10 m=9
